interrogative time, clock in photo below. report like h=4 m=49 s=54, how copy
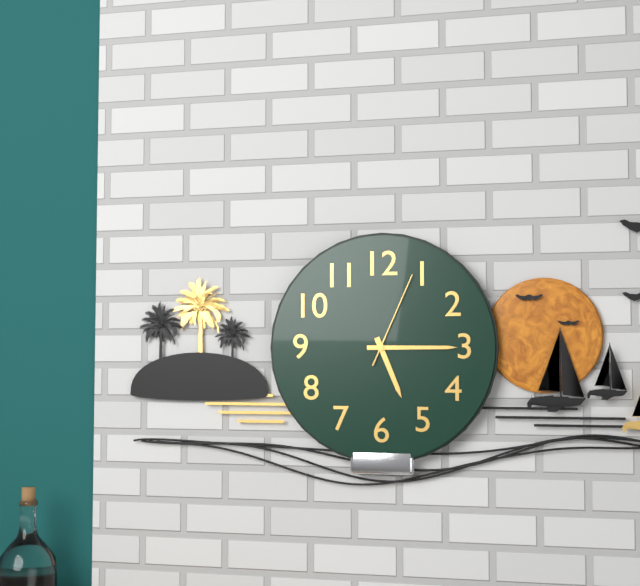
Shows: h=5 m=15 s=4
